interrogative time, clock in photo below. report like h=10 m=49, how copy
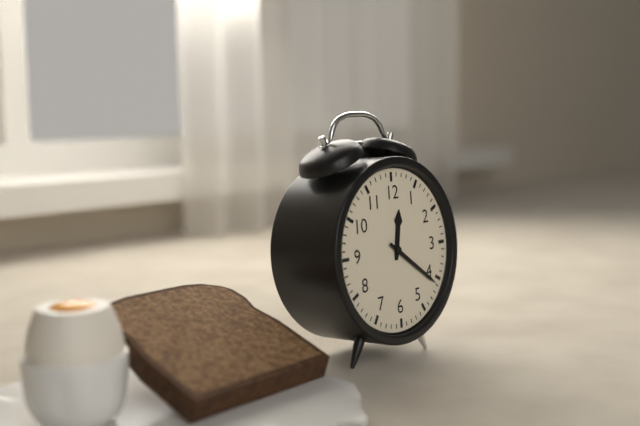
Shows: h=12 m=21
